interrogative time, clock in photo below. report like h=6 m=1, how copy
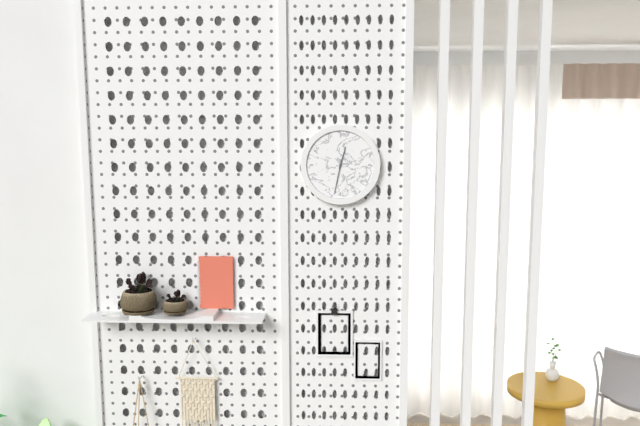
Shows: h=12 m=32
